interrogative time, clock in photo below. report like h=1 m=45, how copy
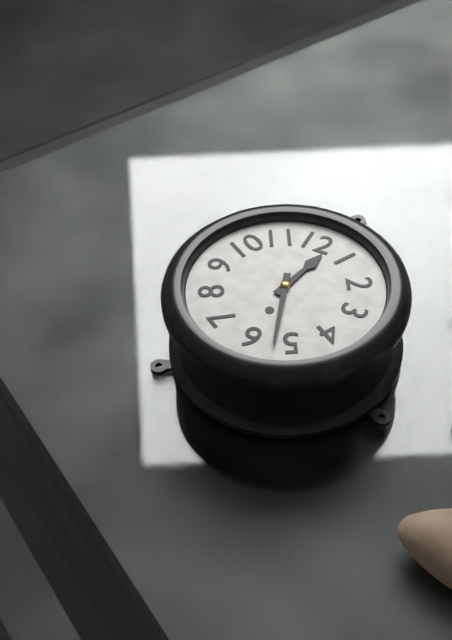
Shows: h=12 m=27
